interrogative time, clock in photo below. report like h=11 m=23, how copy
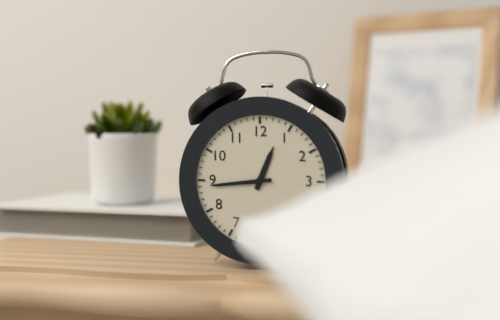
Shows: h=12 m=44
